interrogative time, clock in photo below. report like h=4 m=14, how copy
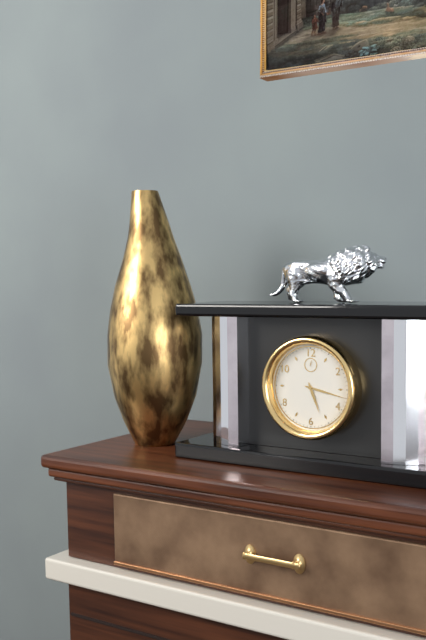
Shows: h=5 m=17
